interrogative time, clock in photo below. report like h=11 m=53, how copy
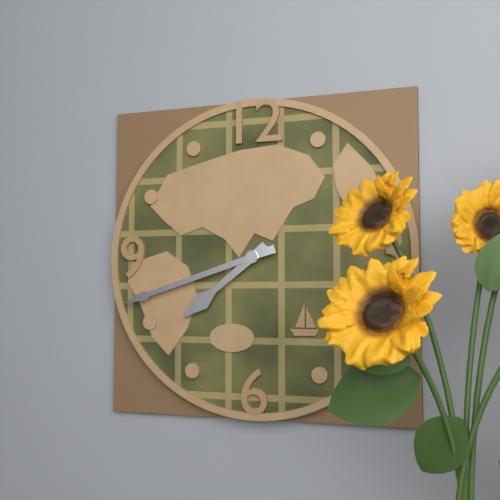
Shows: h=7 m=42
